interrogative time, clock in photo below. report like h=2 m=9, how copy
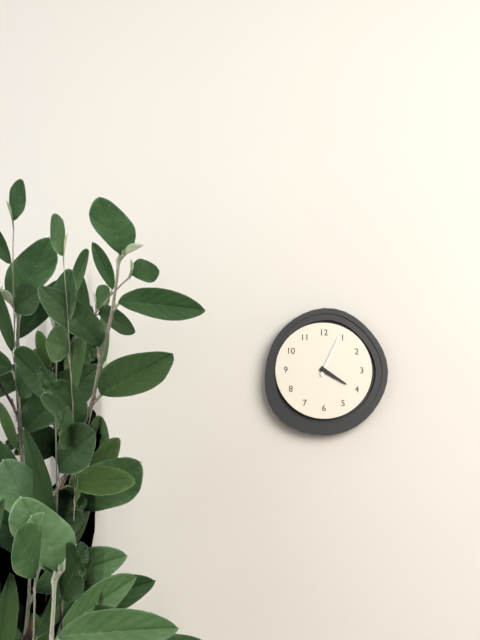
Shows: h=4 m=4
